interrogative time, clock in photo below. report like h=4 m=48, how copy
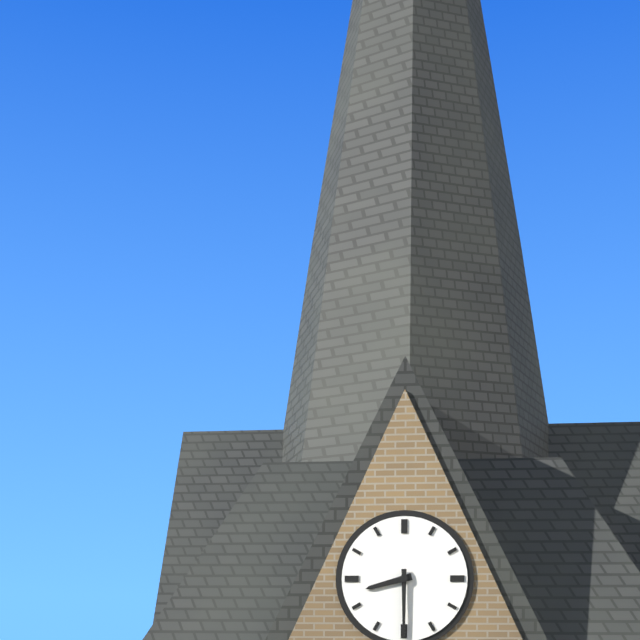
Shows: h=8 m=30
